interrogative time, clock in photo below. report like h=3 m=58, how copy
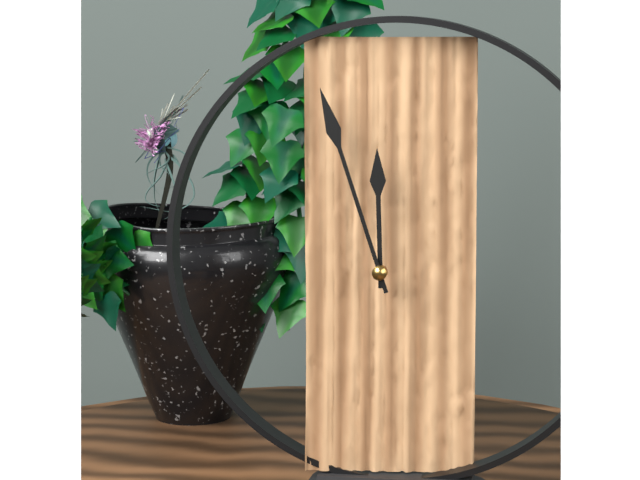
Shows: h=11 m=57
